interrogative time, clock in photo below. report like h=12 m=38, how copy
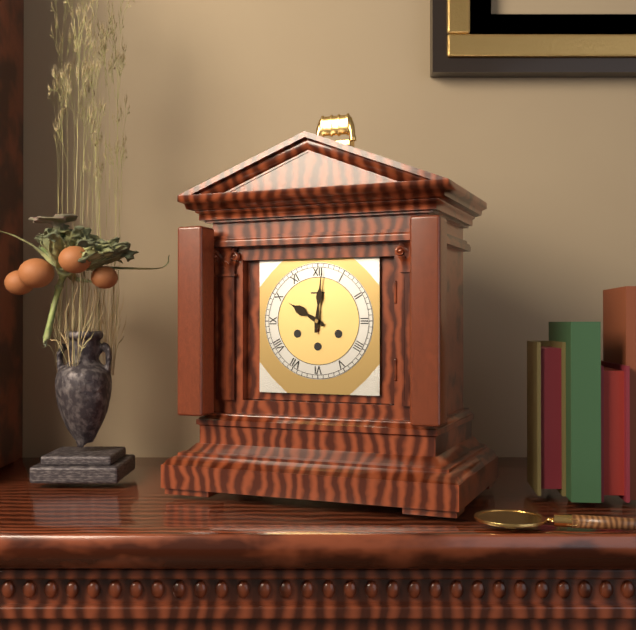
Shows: h=10 m=1
